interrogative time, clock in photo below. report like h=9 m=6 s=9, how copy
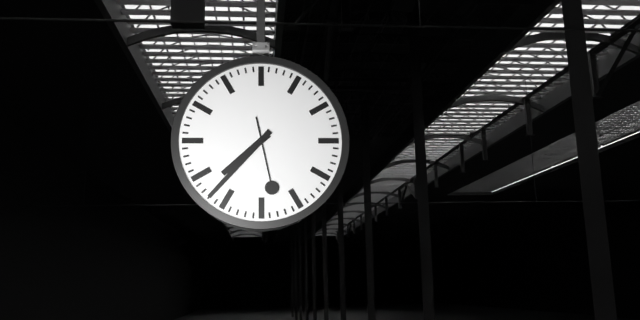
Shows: h=7 m=37 s=28
